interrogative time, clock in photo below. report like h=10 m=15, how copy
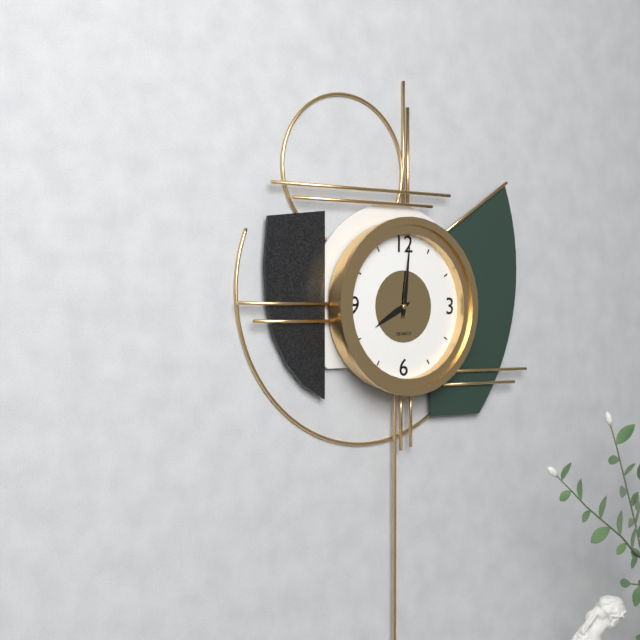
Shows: h=8 m=1
